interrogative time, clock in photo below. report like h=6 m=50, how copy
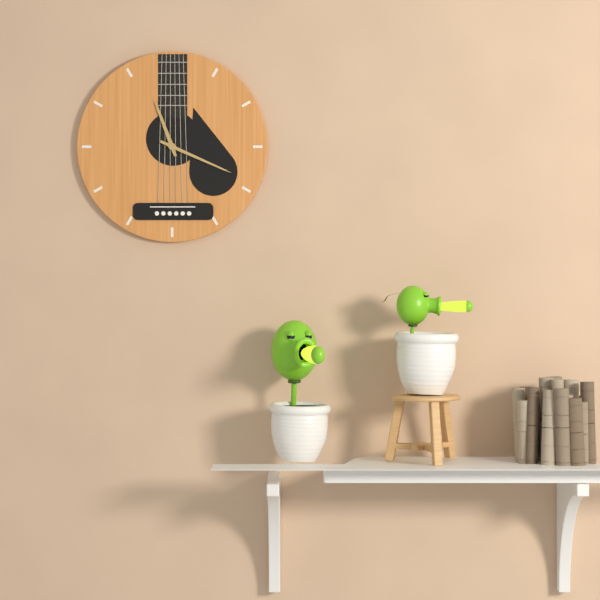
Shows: h=11 m=19
